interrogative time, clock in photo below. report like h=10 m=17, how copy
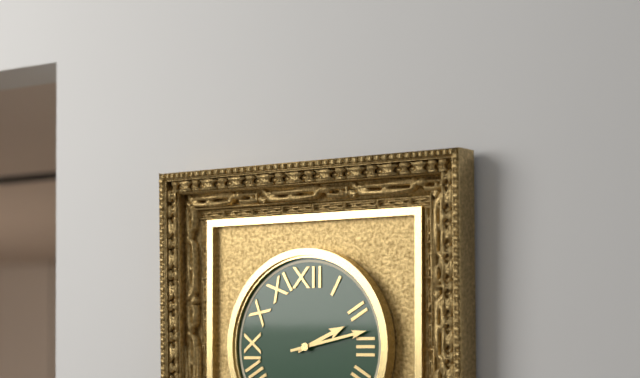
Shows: h=2 m=13
